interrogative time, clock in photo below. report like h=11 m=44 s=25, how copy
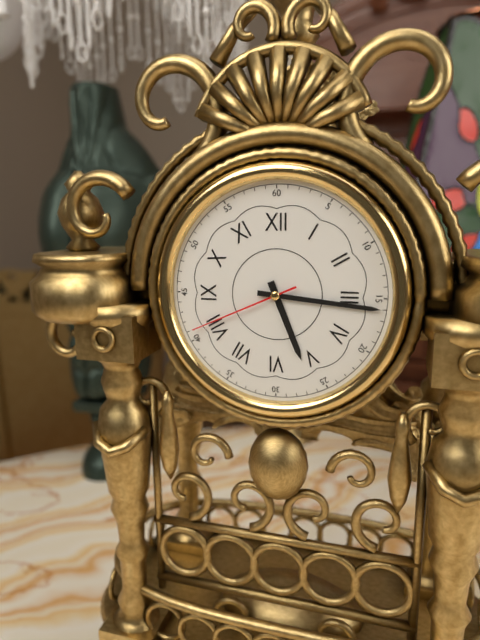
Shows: h=5 m=16 s=41
